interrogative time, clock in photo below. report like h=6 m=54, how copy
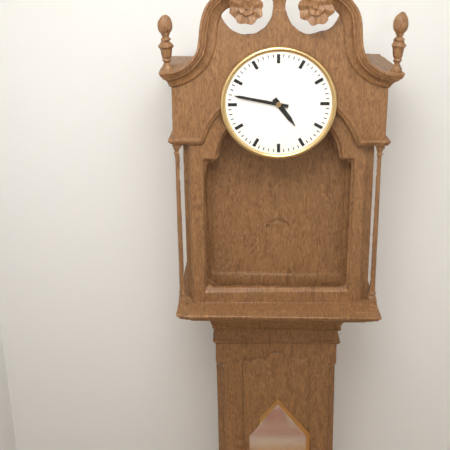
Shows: h=4 m=47
